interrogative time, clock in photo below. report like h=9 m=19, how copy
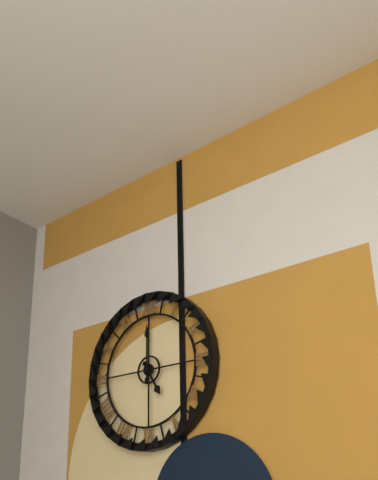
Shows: h=5 m=0
